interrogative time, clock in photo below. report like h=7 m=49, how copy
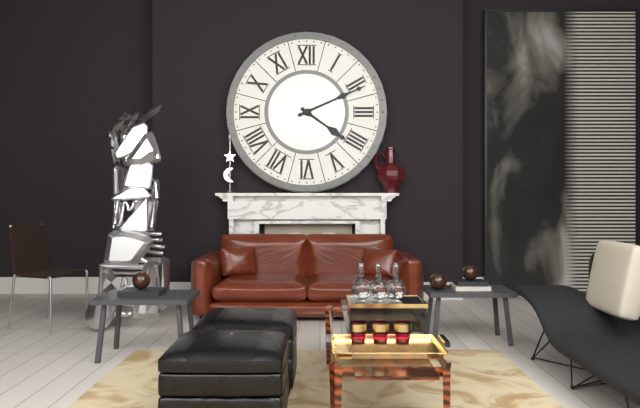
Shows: h=4 m=11
